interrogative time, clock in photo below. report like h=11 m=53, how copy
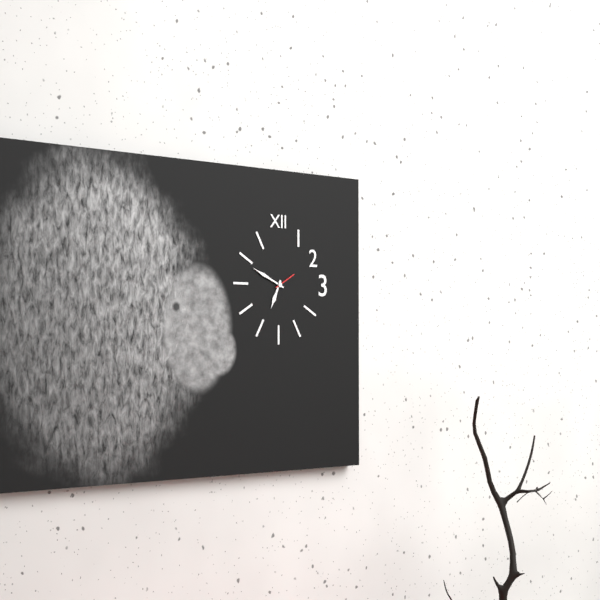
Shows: h=6 m=49
